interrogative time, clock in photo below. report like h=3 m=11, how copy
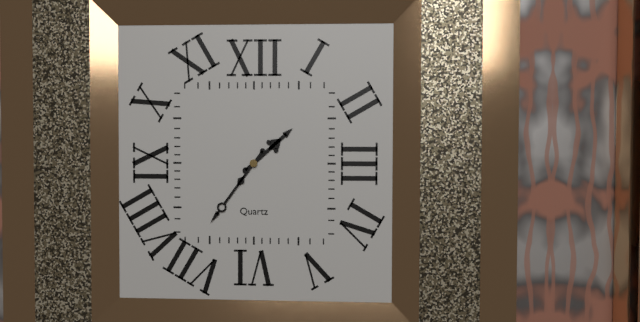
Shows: h=1 m=36
